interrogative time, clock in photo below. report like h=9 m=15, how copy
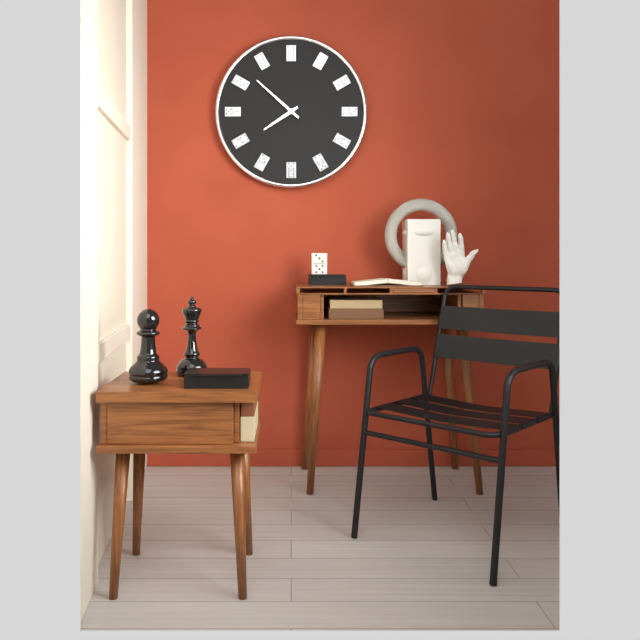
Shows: h=7 m=52
